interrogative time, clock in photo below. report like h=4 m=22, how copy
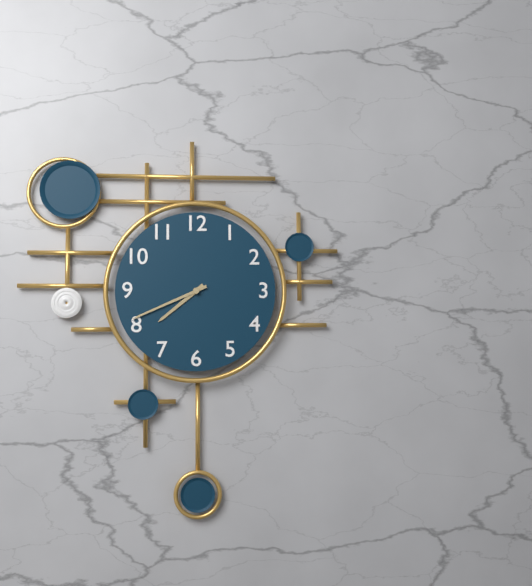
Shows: h=7 m=41
